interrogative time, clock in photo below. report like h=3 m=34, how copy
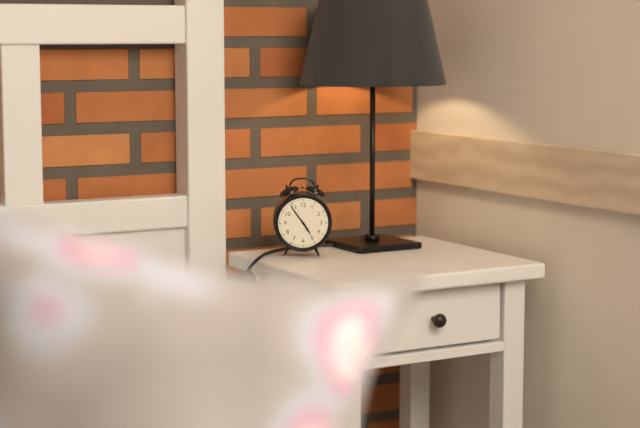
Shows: h=4 m=54
